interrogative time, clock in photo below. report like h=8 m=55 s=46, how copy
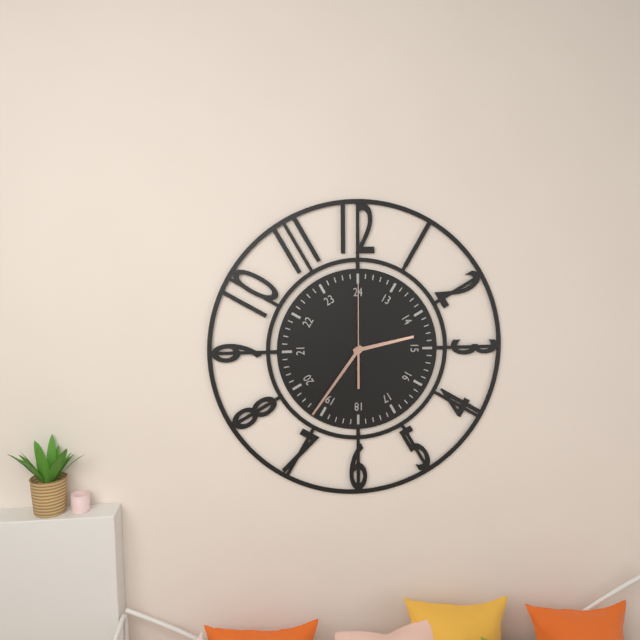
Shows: h=2 m=36 s=0
